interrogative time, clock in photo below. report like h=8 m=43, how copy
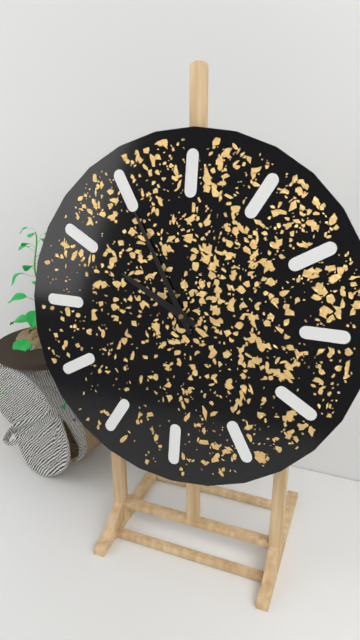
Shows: h=9 m=55
